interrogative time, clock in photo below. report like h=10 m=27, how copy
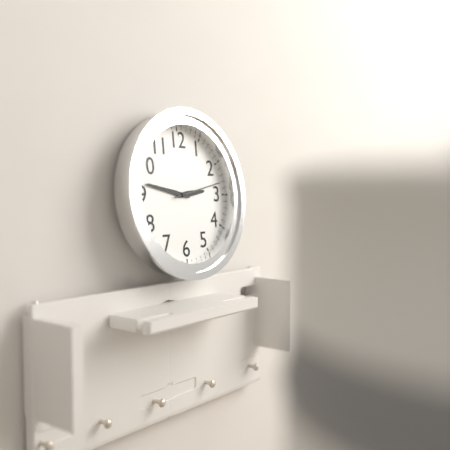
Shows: h=2 m=47
